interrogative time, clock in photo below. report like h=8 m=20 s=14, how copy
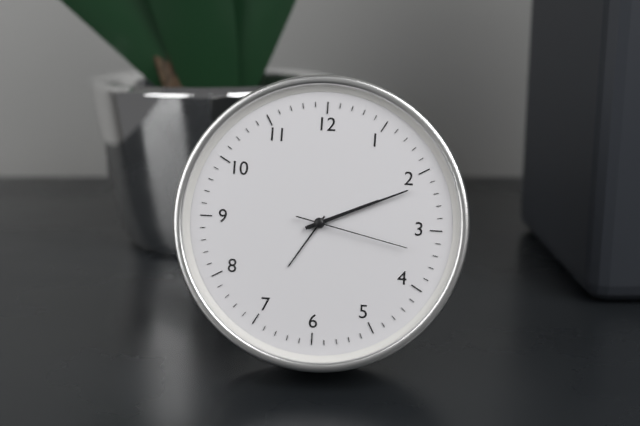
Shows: h=2 m=11 s=17
